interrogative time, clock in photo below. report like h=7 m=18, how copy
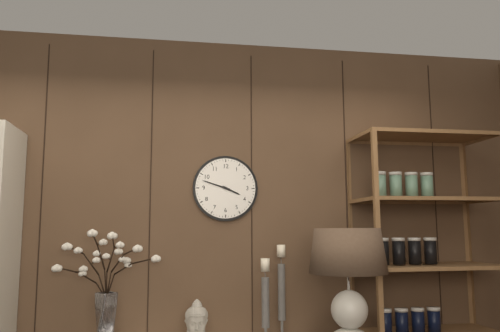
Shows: h=3 m=48
